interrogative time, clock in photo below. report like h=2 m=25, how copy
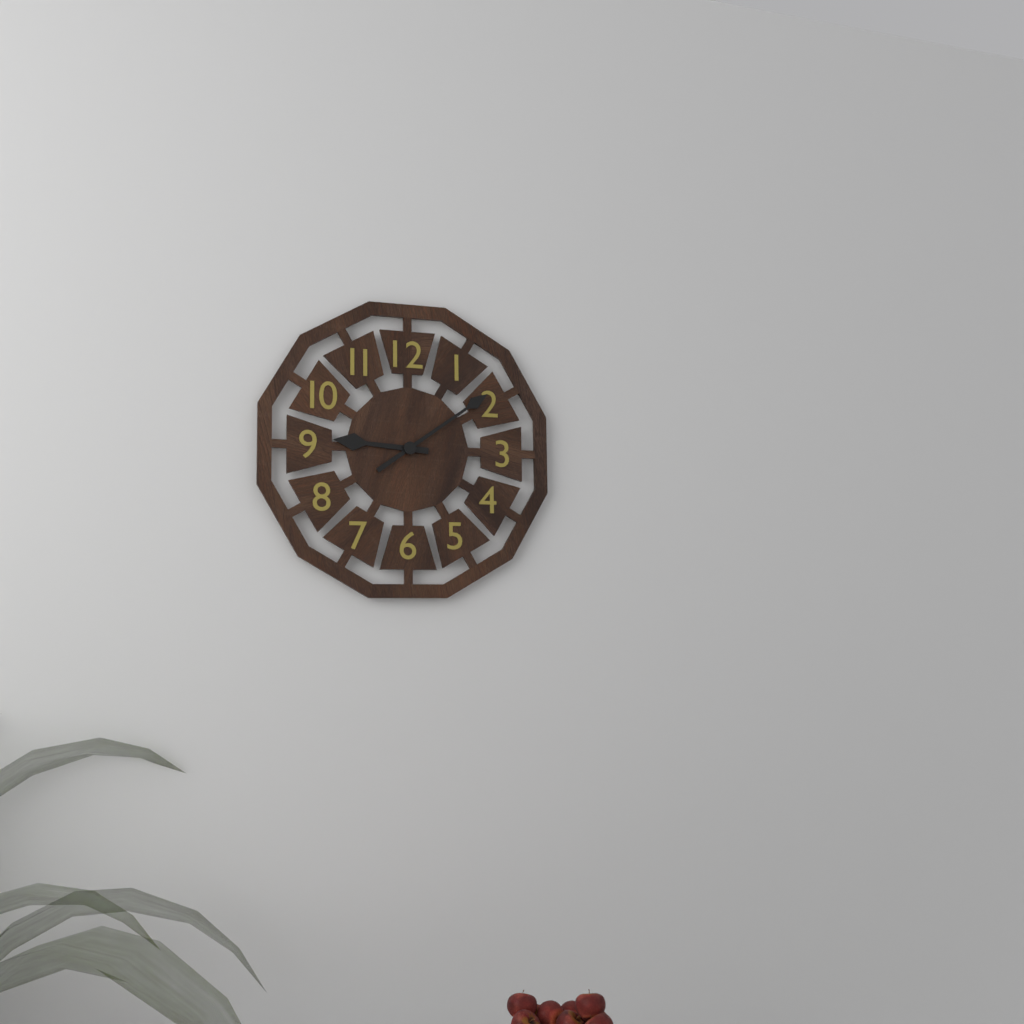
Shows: h=9 m=9
